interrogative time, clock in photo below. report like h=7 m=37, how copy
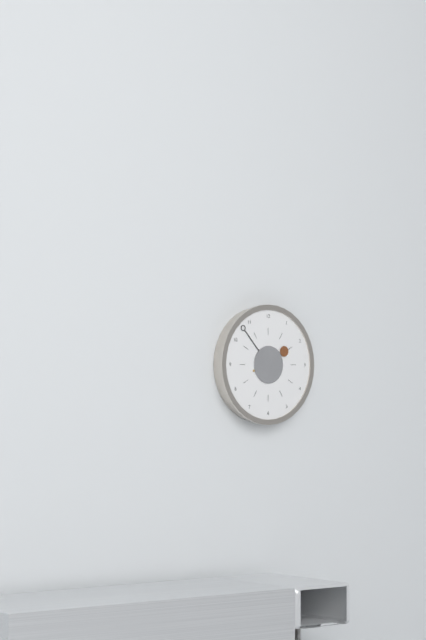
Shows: h=1 m=53
